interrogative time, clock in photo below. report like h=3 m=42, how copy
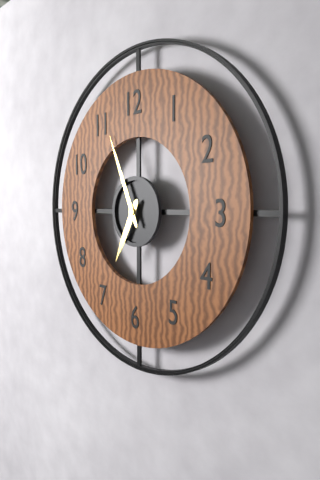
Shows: h=6 m=56
